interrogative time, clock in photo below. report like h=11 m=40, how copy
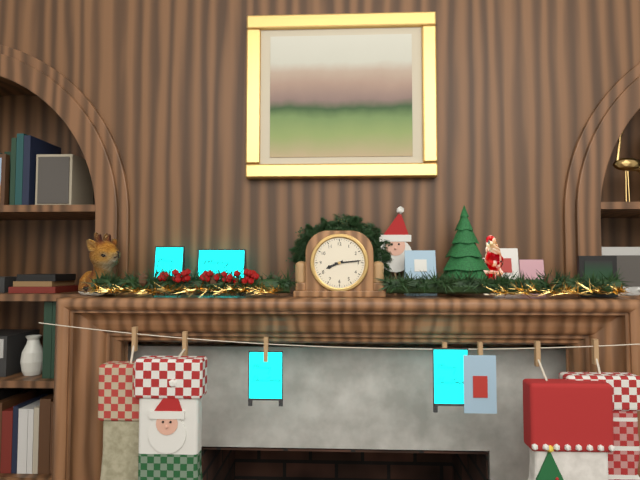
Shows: h=8 m=14
